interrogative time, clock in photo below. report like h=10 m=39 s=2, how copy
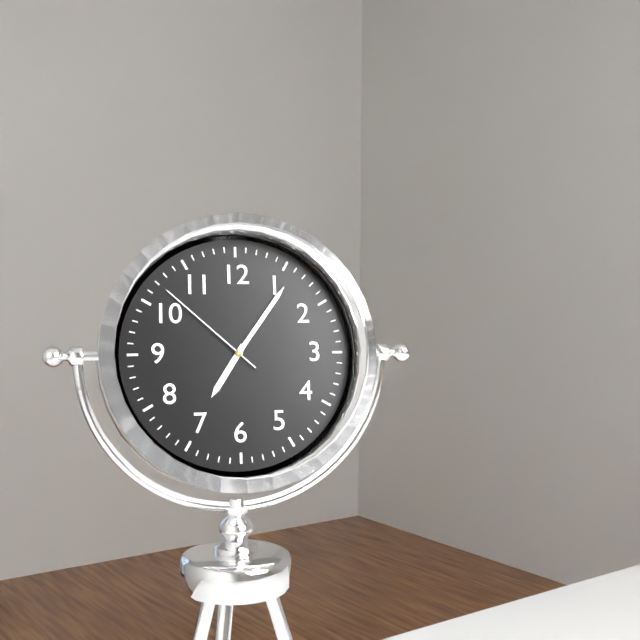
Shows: h=7 m=6 s=52
